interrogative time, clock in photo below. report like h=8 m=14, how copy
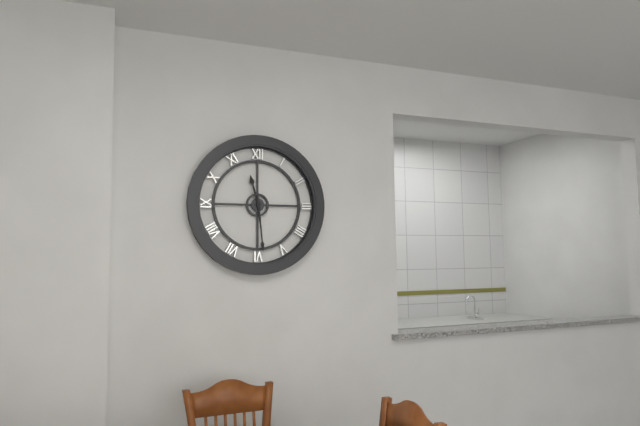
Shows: h=11 m=29
